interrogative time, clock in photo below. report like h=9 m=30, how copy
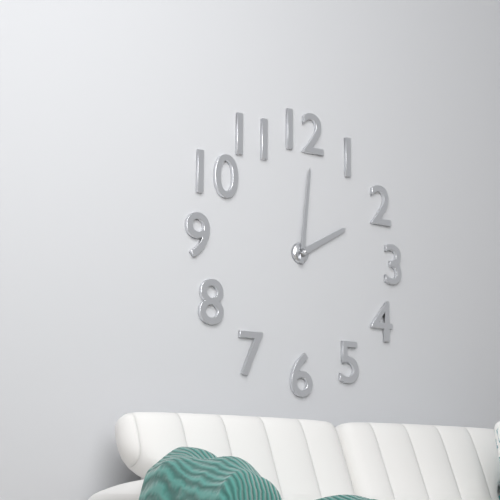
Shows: h=2 m=1
